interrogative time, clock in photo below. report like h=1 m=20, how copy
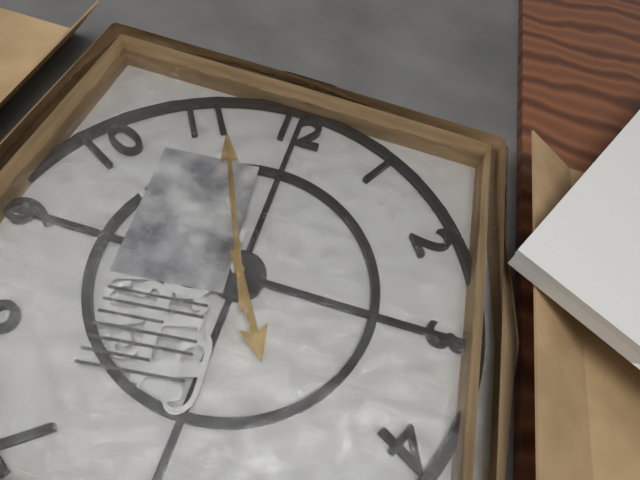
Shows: h=4 m=56
